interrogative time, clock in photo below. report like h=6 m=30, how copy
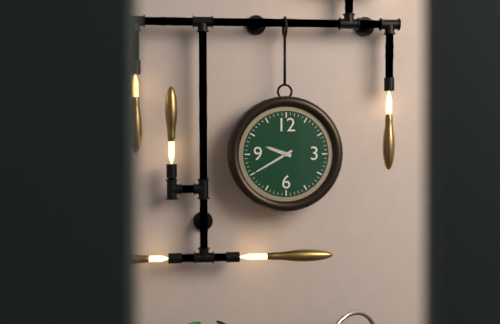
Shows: h=9 m=40
